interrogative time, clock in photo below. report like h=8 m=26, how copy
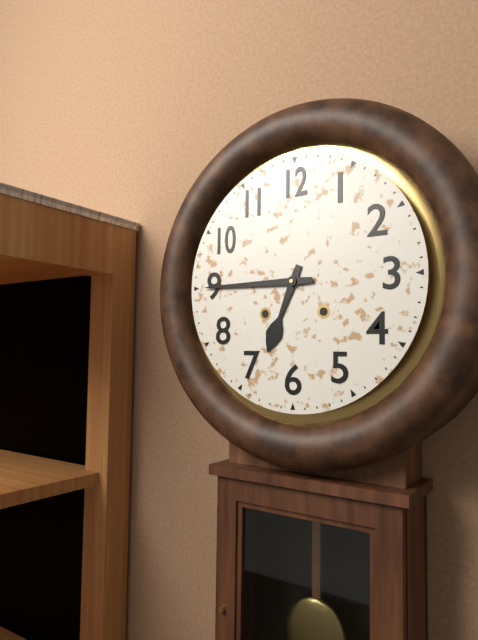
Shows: h=6 m=45
